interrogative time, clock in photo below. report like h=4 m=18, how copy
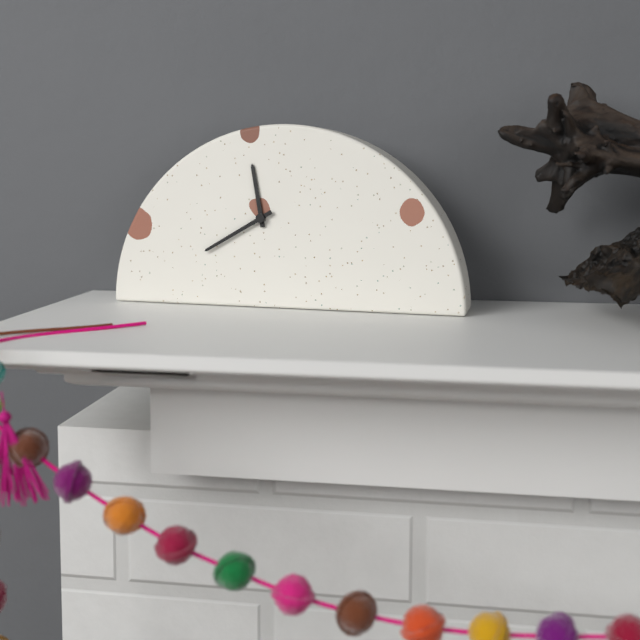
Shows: h=11 m=40
